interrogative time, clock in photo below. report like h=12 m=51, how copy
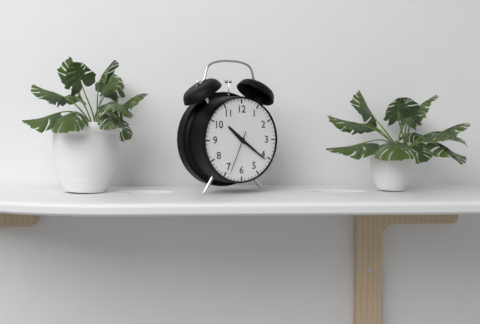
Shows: h=10 m=21
